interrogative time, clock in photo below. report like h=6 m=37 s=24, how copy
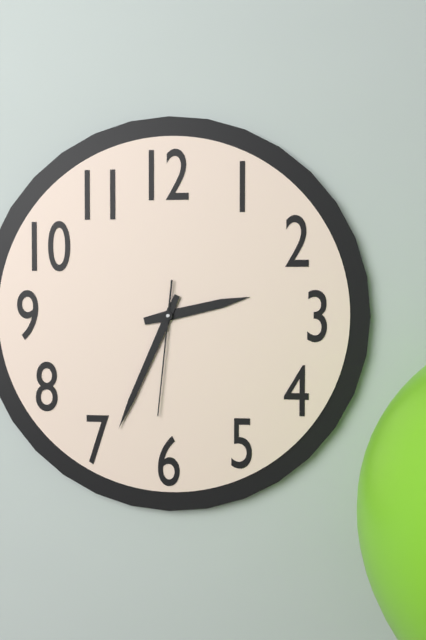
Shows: h=2 m=34 s=31
